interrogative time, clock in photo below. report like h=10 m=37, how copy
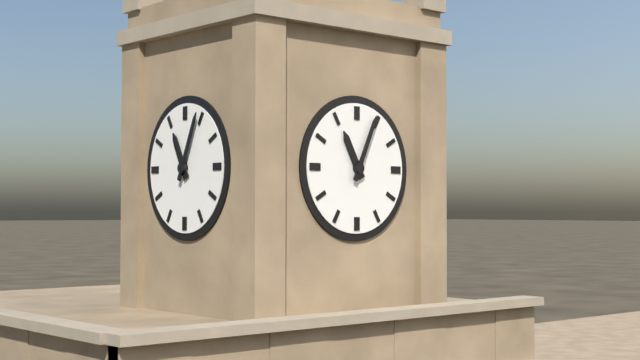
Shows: h=11 m=4
